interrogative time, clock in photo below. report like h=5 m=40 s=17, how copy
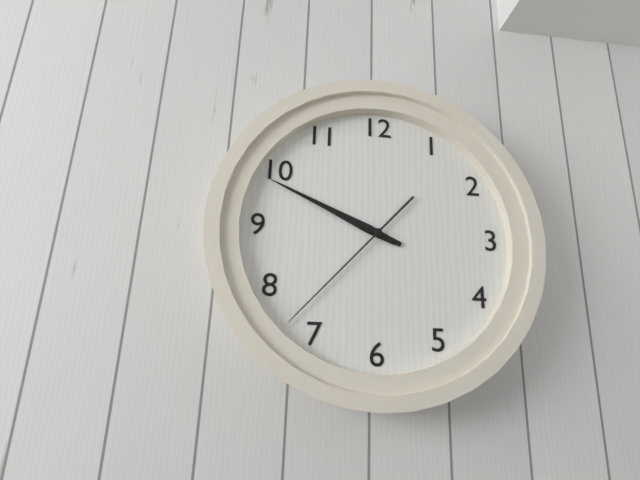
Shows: h=9 m=49 s=37
